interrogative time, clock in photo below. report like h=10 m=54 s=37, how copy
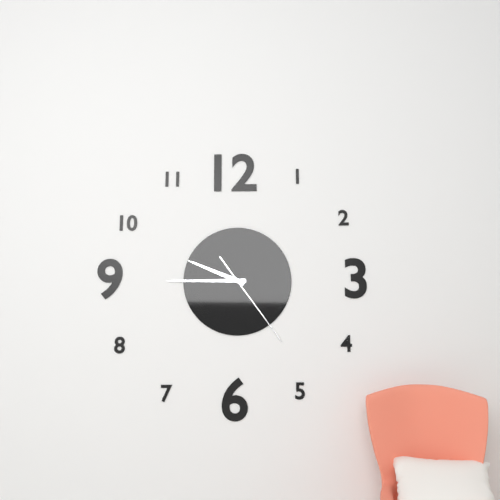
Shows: h=9 m=45 s=24
